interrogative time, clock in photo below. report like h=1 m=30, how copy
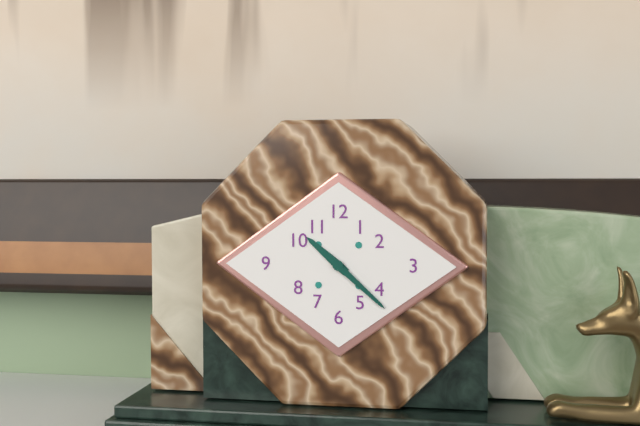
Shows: h=10 m=22
